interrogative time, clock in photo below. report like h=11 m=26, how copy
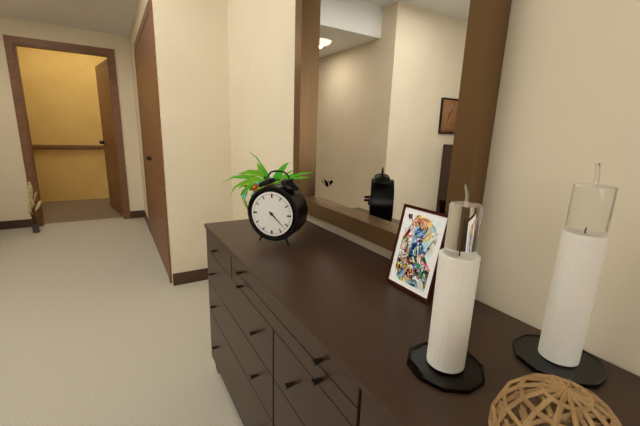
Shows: h=4 m=22
